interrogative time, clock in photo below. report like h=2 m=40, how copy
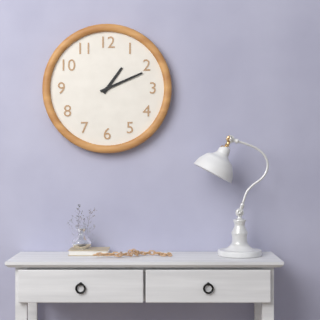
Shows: h=1 m=11
